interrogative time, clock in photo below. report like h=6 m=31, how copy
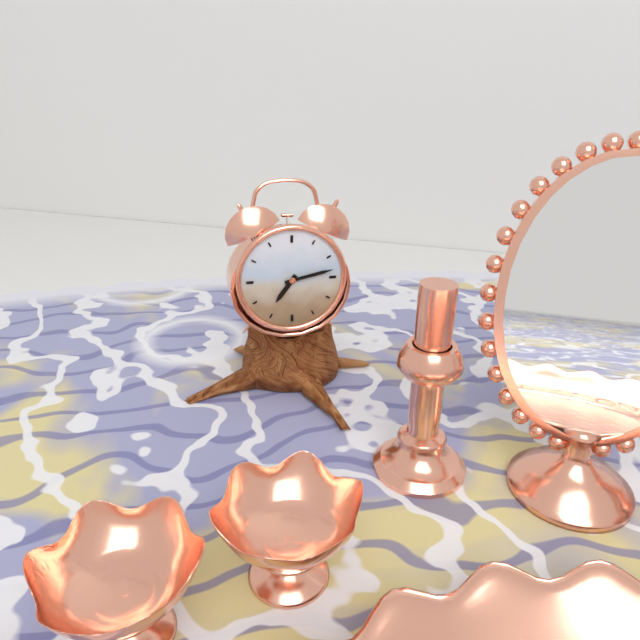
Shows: h=7 m=13
